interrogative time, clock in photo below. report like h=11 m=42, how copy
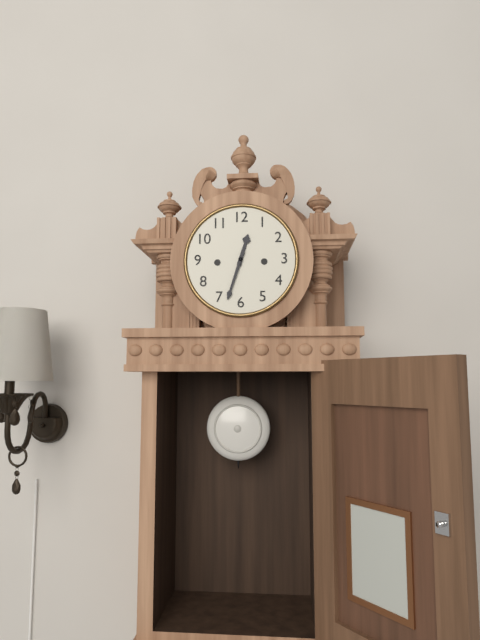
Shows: h=12 m=33
